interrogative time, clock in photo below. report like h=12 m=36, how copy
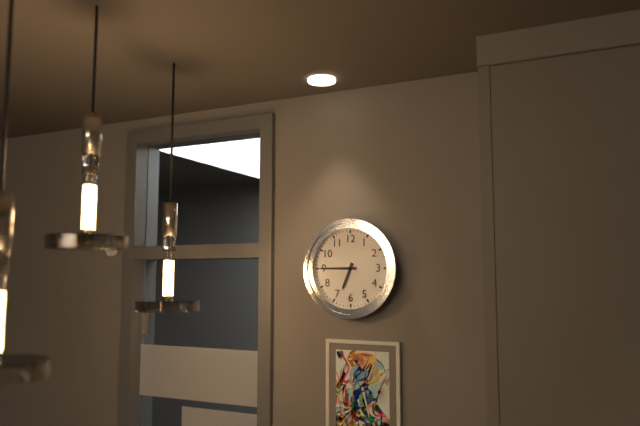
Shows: h=6 m=45
